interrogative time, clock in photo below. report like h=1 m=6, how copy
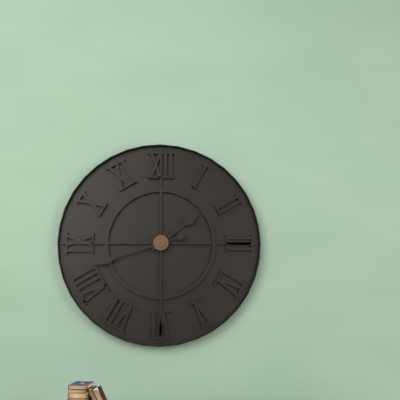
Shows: h=1 m=42
